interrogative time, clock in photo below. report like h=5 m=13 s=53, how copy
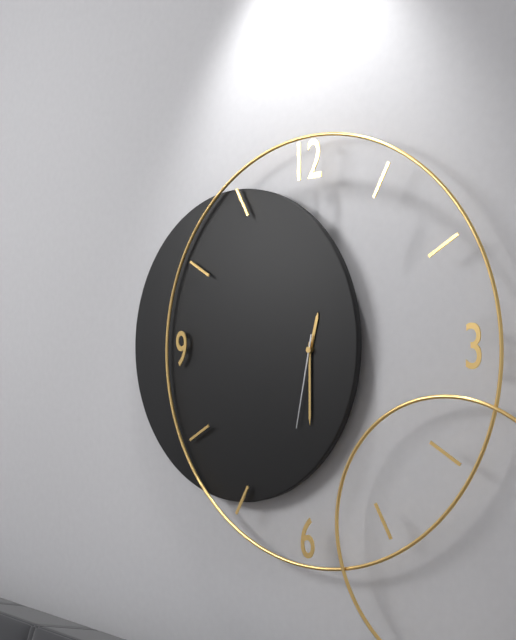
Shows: h=12 m=30 s=32
